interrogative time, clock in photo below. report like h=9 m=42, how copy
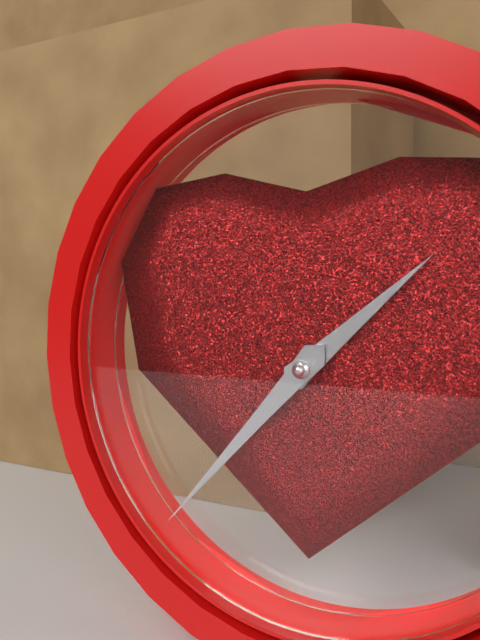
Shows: h=1 m=37
